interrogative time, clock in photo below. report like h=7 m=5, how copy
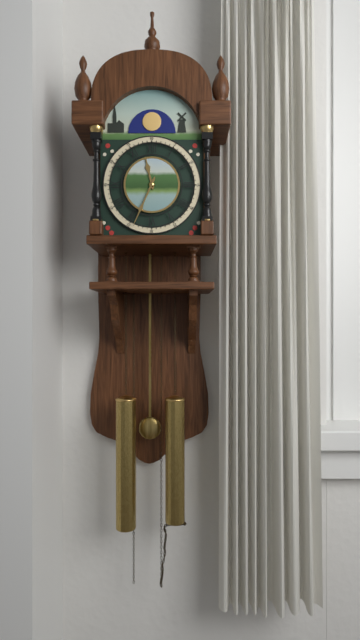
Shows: h=11 m=34
